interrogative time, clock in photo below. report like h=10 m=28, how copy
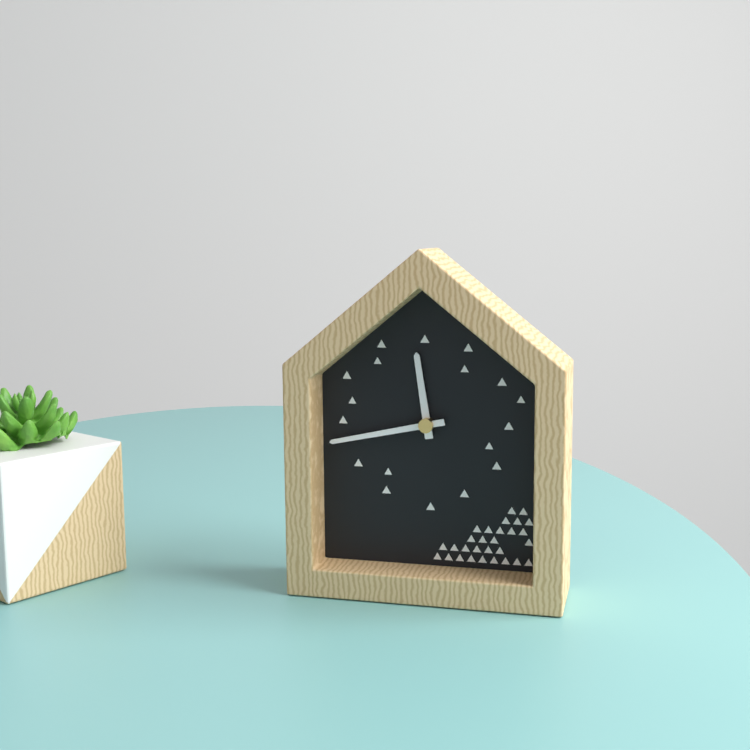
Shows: h=11 m=43
